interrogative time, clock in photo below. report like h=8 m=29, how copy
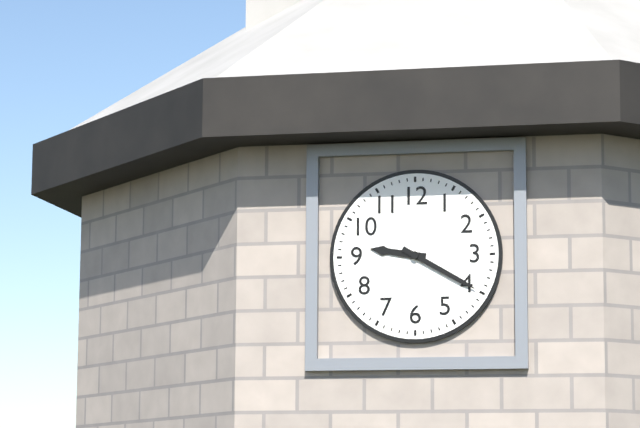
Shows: h=9 m=20
